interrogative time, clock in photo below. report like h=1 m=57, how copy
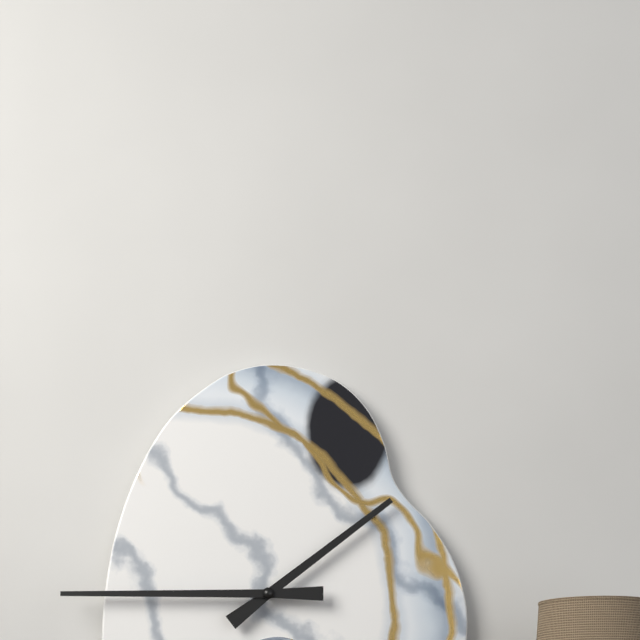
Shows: h=1 m=45
